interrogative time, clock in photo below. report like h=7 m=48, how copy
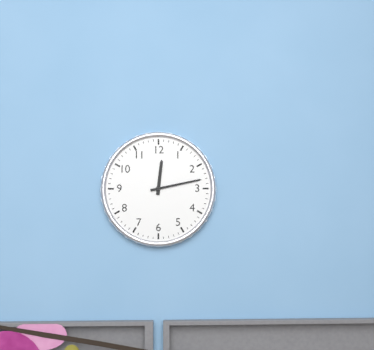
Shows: h=12 m=13
